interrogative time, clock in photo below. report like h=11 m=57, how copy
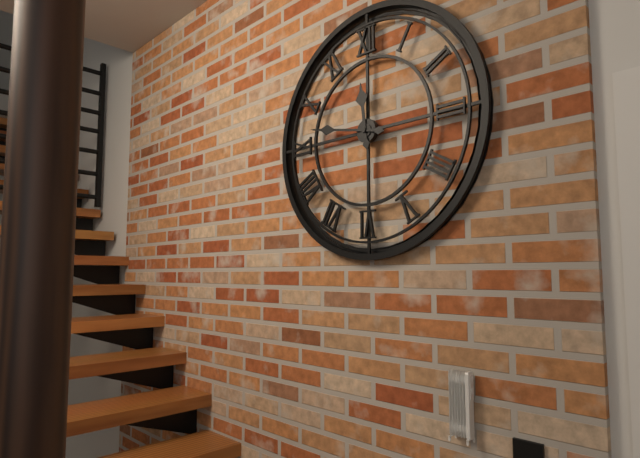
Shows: h=11 m=47
